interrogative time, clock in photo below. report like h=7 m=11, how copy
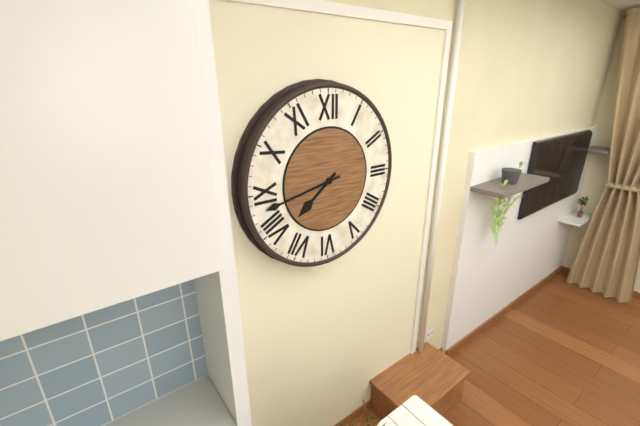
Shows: h=7 m=43
